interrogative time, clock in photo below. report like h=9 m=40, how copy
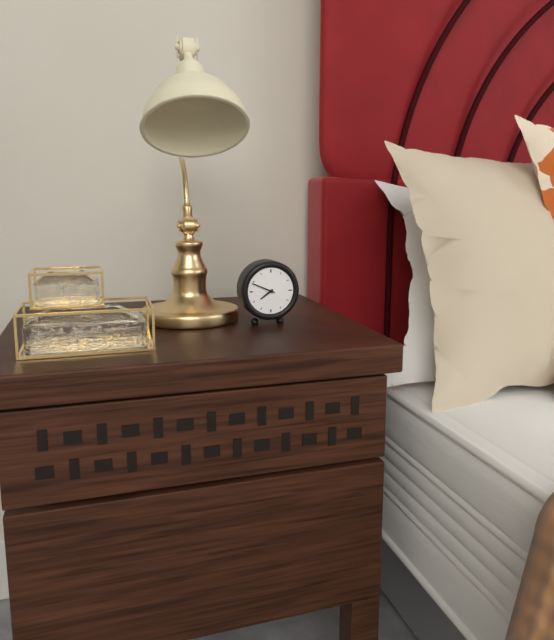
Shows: h=7 m=49
